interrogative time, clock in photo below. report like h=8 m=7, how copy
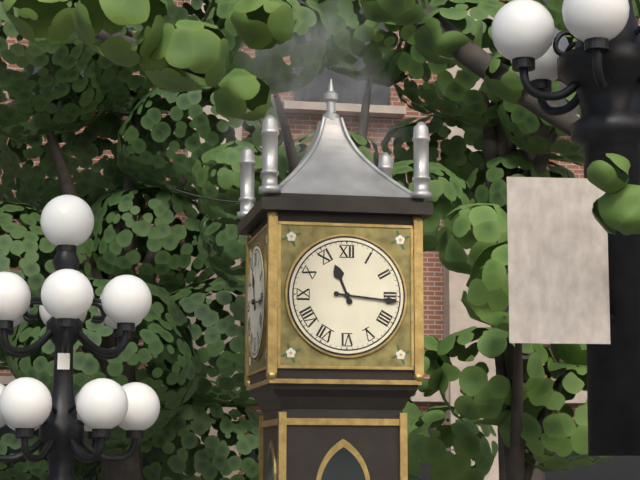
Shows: h=11 m=16
